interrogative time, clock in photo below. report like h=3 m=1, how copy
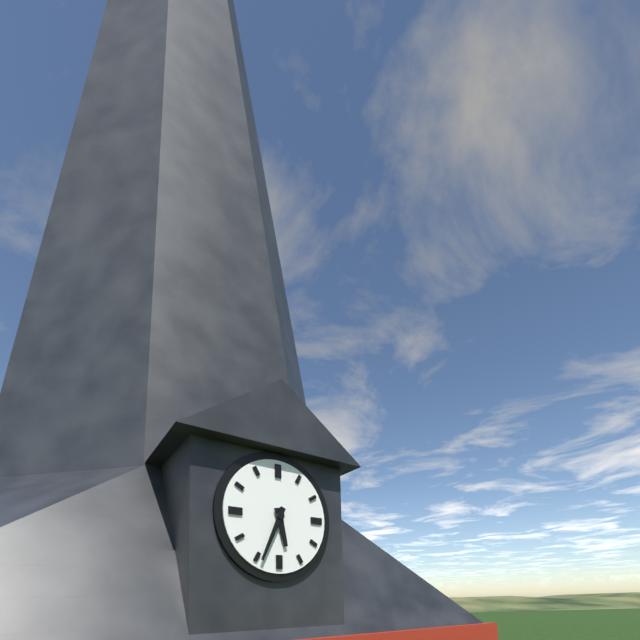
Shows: h=5 m=34
